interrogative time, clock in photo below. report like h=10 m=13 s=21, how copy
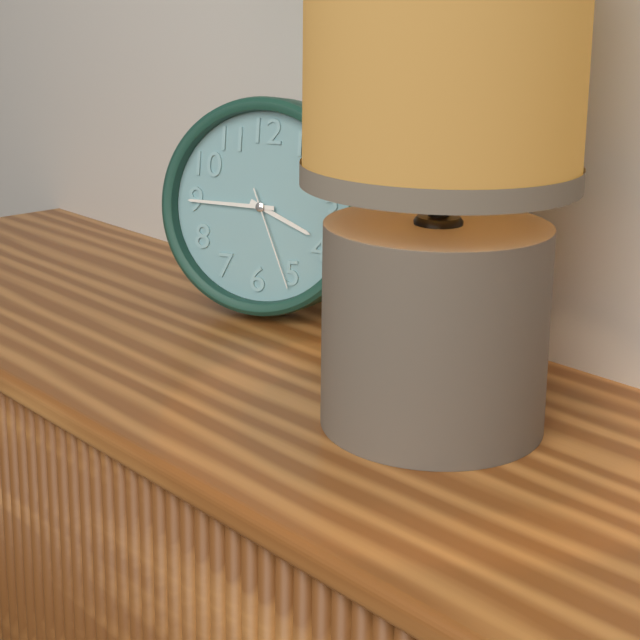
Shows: h=3 m=45 s=26
